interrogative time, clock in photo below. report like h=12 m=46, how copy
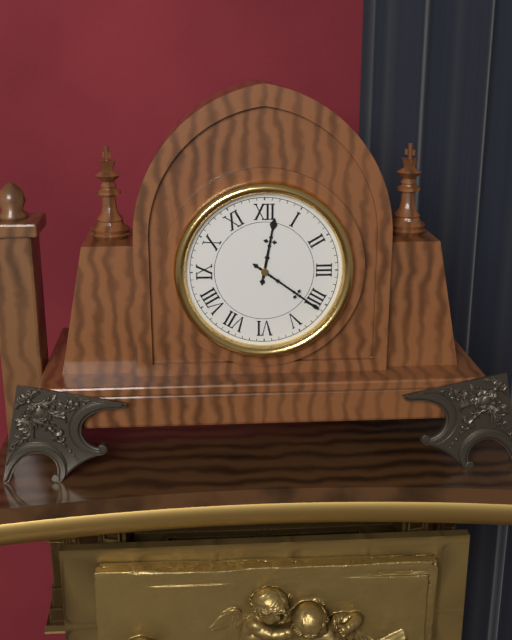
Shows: h=12 m=21
